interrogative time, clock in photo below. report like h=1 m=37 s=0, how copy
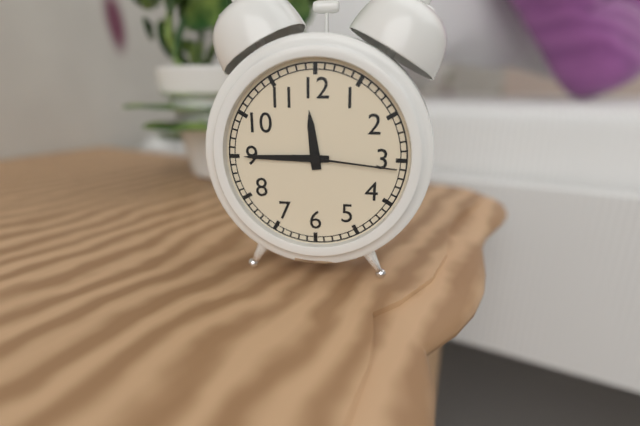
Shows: h=11 m=45 s=16
